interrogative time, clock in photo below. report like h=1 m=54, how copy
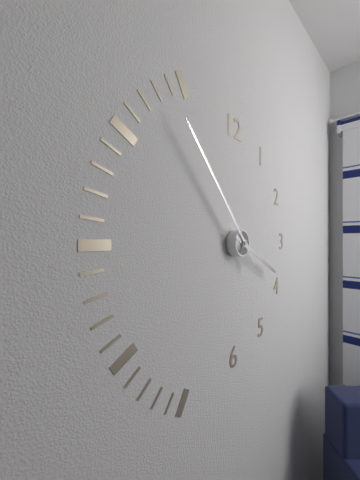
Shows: h=3 m=53
